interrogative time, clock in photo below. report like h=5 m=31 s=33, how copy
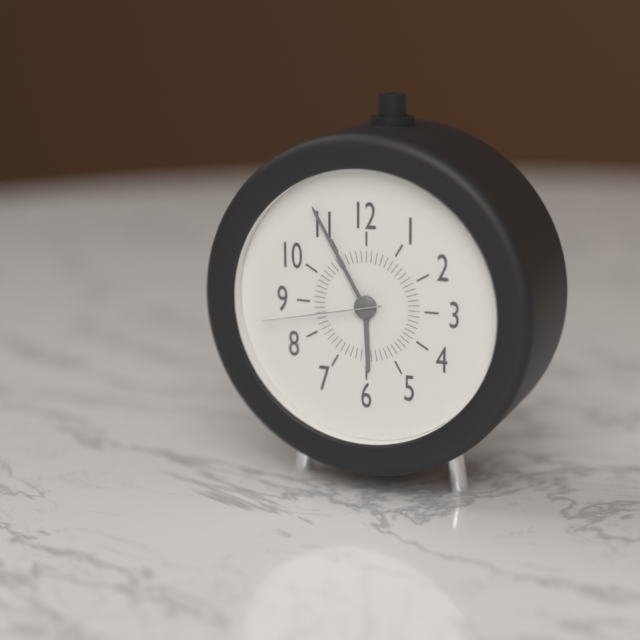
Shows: h=5 m=55 s=43
